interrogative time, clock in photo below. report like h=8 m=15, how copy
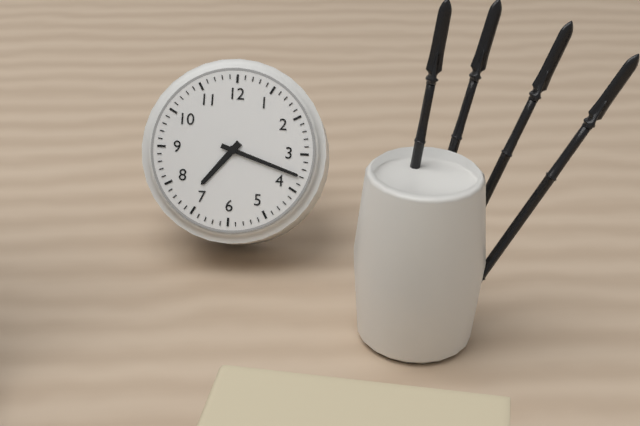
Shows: h=7 m=18
